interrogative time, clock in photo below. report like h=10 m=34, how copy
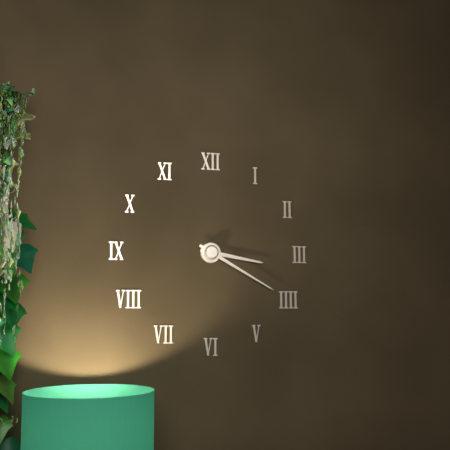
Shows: h=3 m=20
